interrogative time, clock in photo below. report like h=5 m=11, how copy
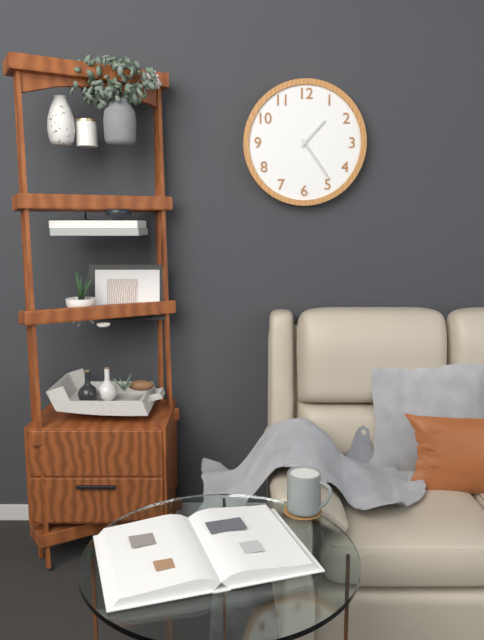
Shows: h=1 m=24
